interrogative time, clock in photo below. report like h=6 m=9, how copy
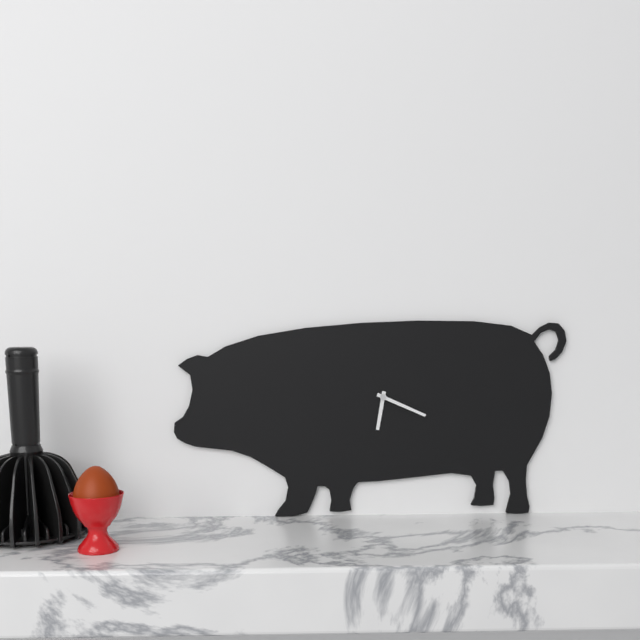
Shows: h=6 m=19
